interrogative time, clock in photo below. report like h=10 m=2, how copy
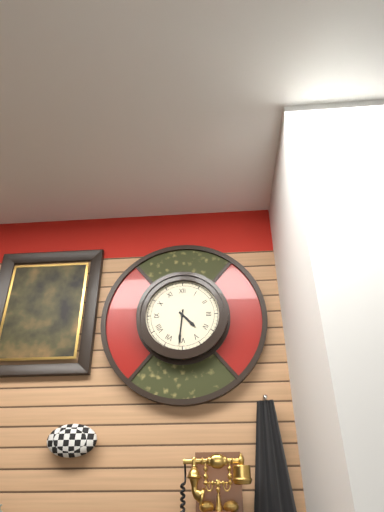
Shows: h=4 m=31
